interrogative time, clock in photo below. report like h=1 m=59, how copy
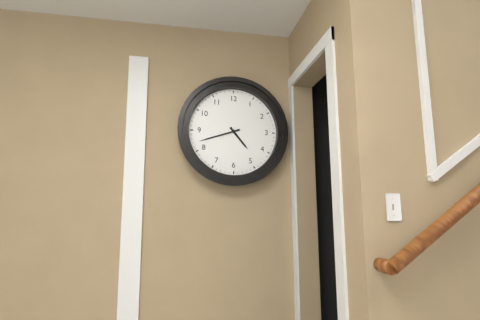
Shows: h=4 m=42
